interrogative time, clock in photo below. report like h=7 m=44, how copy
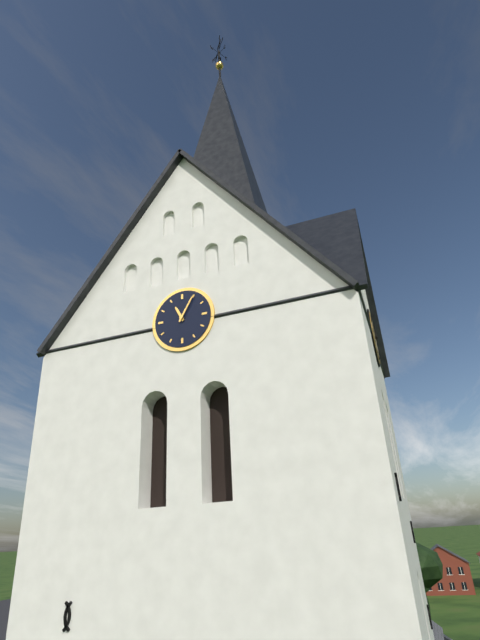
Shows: h=11 m=5
